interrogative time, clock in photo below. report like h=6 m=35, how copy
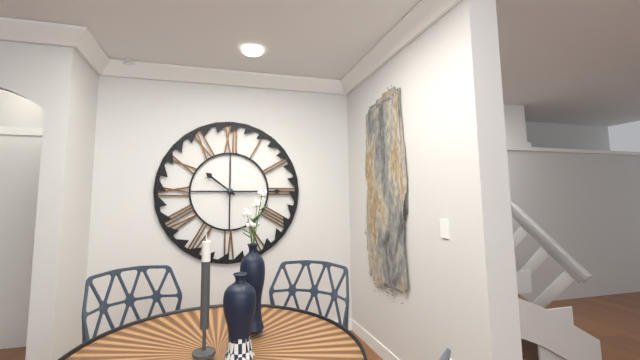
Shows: h=10 m=15
